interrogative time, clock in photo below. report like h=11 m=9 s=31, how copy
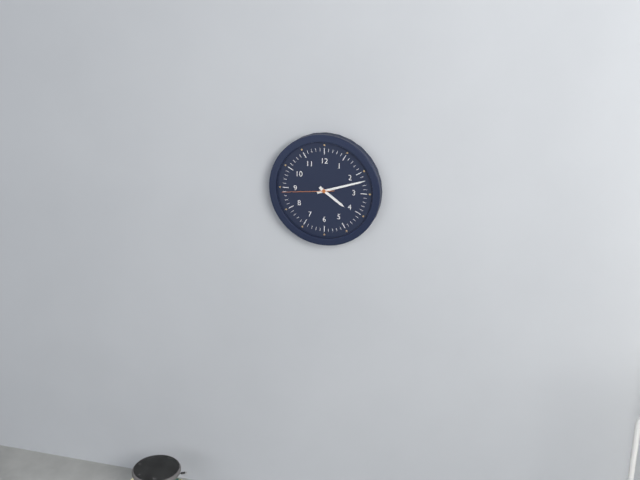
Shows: h=4 m=12 s=44
